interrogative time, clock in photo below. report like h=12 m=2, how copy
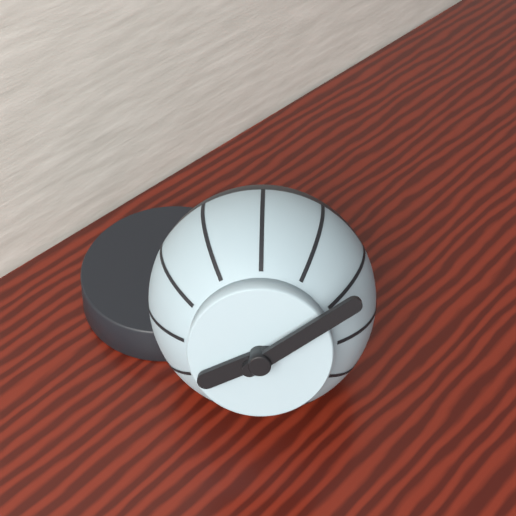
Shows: h=8 m=9
